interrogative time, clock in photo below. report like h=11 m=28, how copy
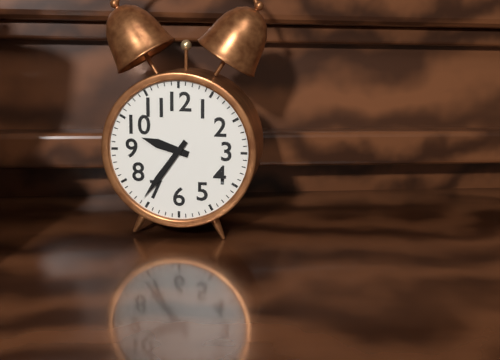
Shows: h=9 m=36
